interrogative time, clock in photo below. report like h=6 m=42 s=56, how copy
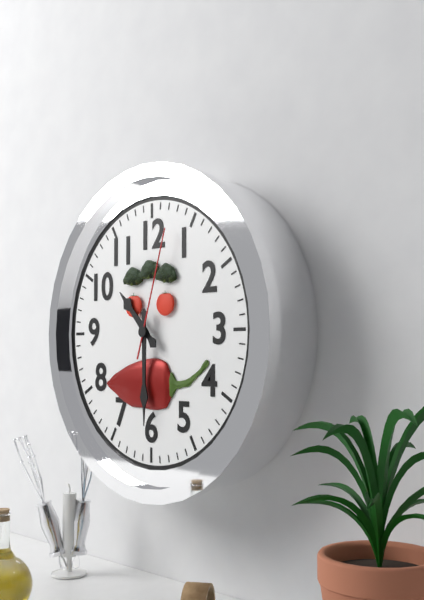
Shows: h=10 m=30 s=3
